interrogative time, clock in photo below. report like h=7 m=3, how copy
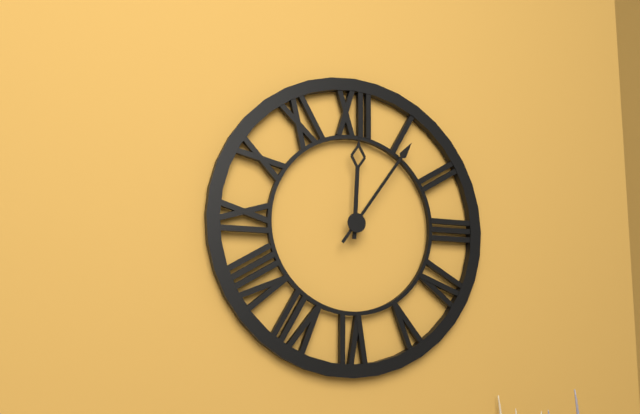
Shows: h=12 m=6
